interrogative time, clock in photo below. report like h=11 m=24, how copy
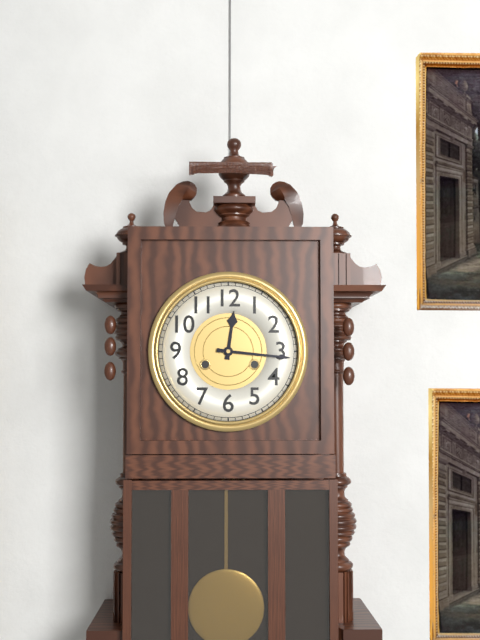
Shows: h=12 m=16
